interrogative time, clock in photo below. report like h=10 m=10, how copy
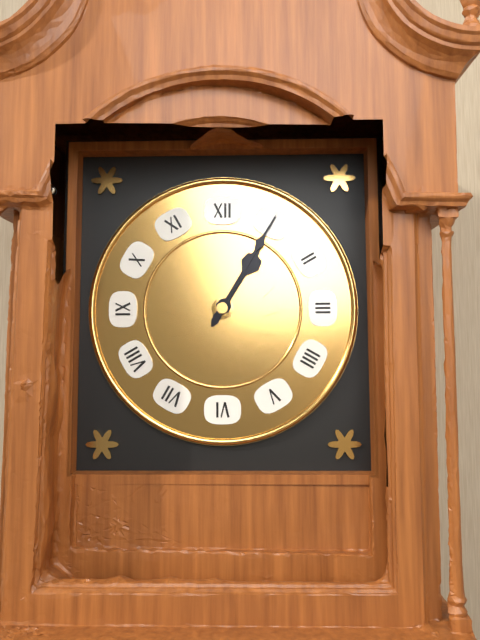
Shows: h=1 m=5
